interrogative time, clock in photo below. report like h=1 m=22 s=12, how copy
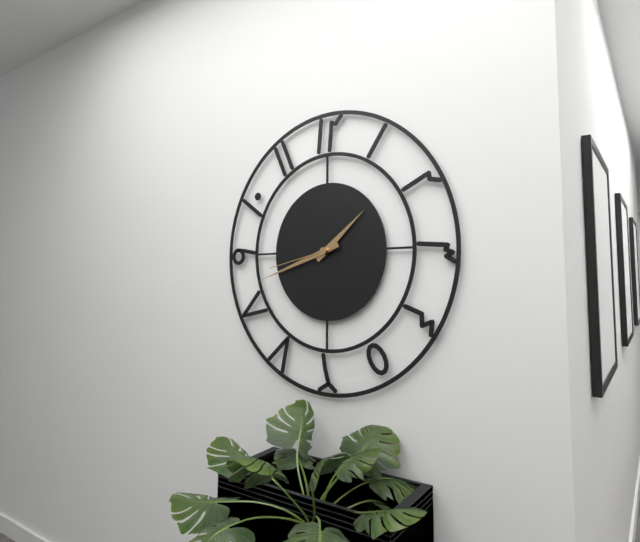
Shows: h=1 m=42 s=43
